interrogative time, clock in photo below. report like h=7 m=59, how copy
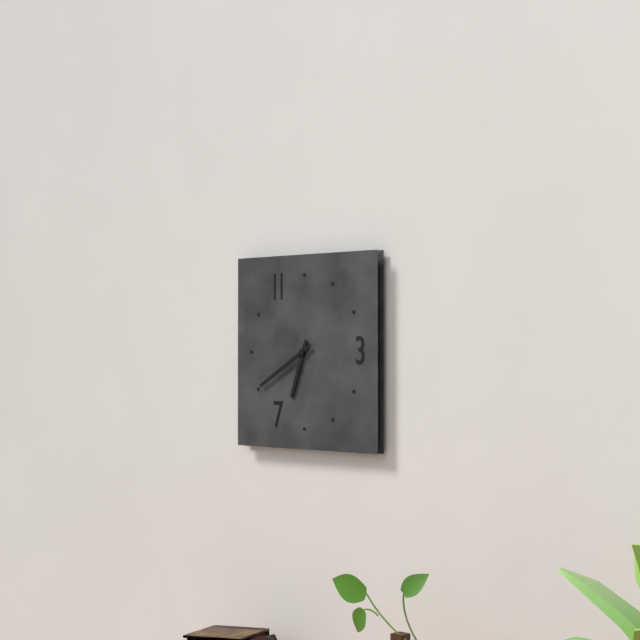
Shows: h=6 m=40
